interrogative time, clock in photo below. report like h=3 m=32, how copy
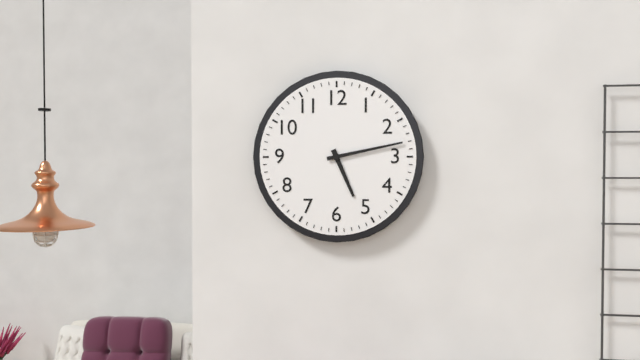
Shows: h=5 m=13
